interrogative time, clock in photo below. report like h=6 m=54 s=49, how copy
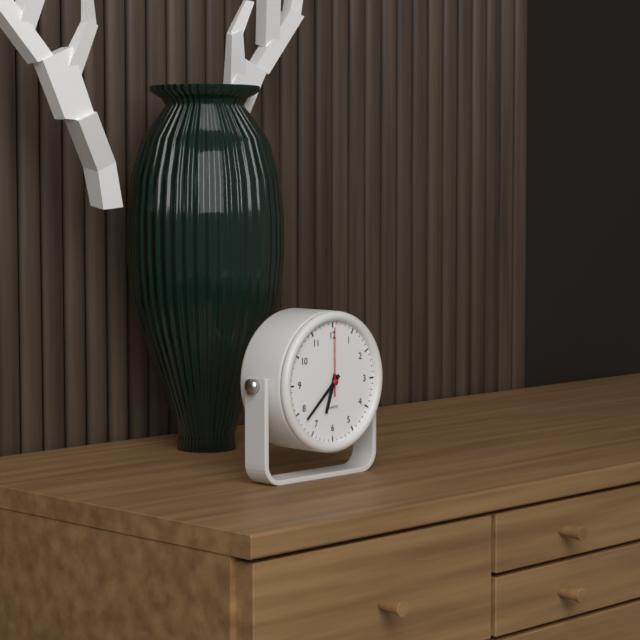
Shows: h=6 m=38 s=0
